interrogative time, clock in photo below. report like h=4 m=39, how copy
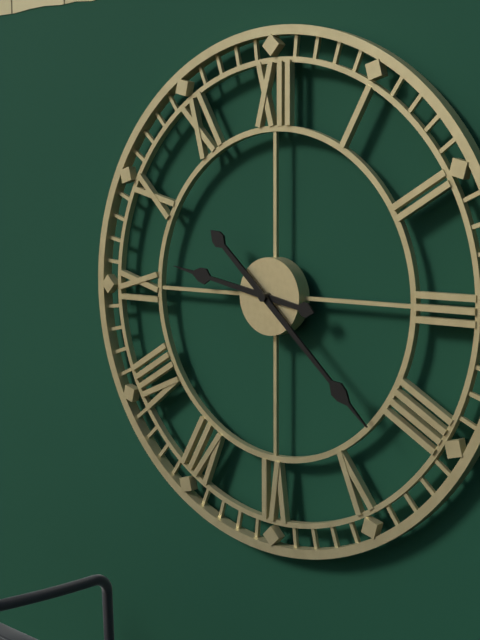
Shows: h=9 m=22
